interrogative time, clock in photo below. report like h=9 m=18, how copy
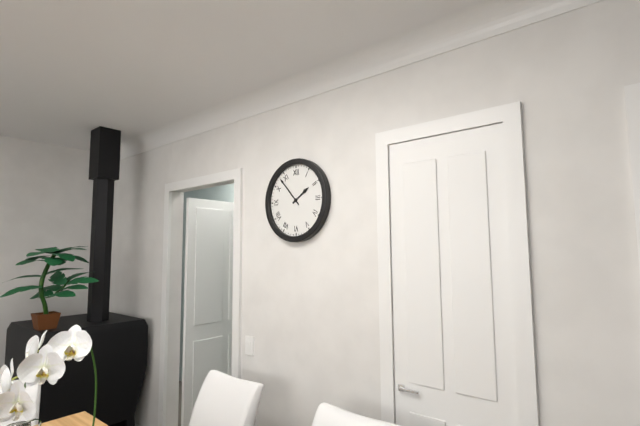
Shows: h=1 m=53
